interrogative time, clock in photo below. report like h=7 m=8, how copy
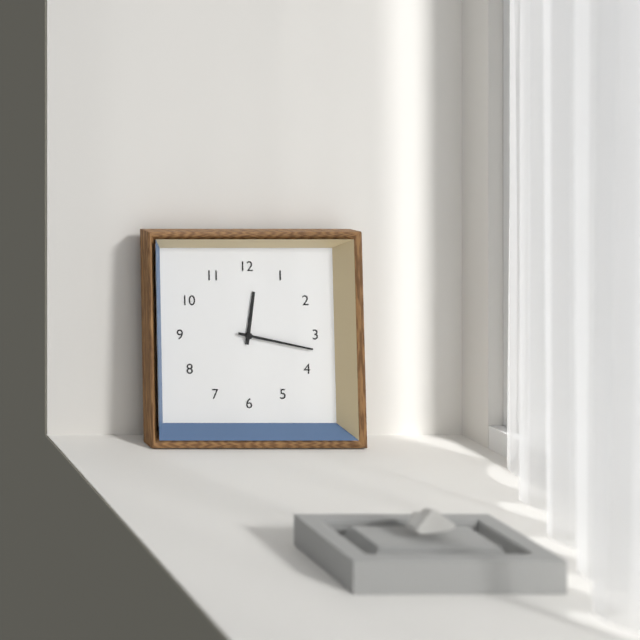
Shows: h=12 m=17
